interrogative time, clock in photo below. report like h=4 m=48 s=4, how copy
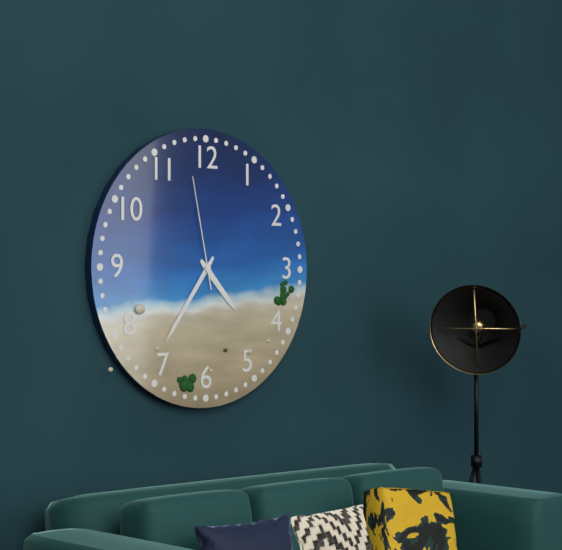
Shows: h=4 m=36 s=58
